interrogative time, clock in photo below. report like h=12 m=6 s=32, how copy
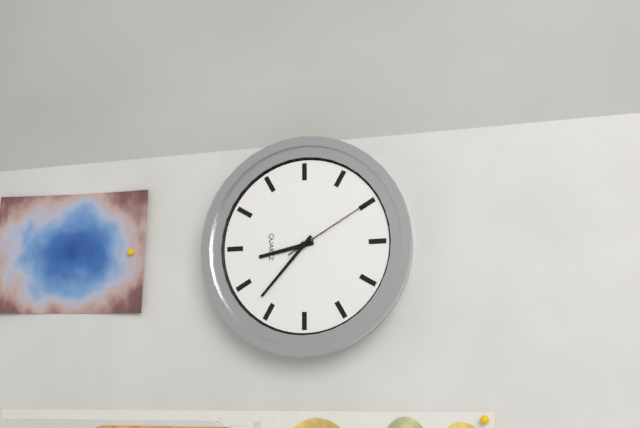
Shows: h=8 m=37 s=10
